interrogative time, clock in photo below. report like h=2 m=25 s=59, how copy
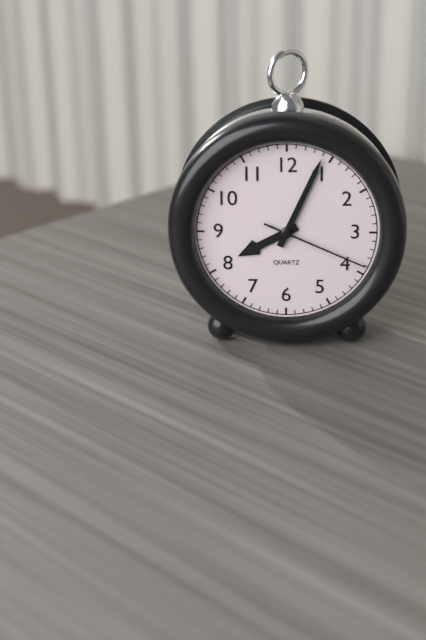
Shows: h=8 m=4 s=19
